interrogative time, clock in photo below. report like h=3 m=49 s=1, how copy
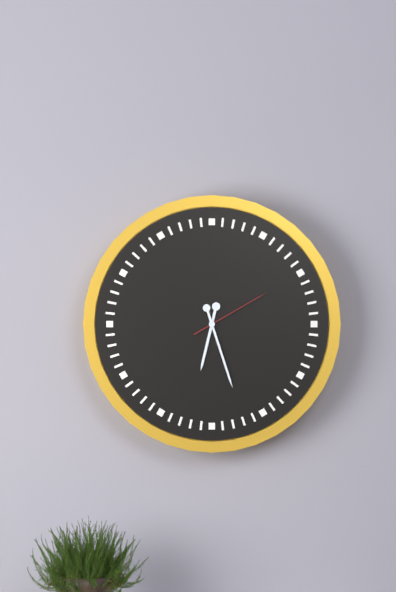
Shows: h=6 m=27 s=10
